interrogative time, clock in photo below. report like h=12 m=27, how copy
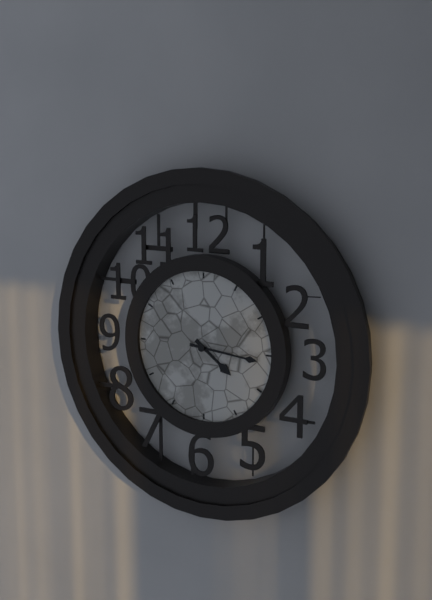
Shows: h=4 m=16
